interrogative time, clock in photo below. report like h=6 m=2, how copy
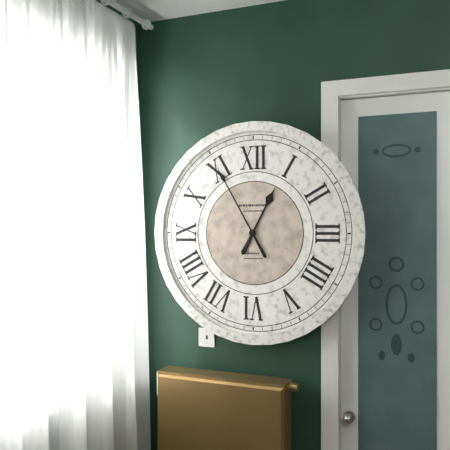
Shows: h=12 m=55
